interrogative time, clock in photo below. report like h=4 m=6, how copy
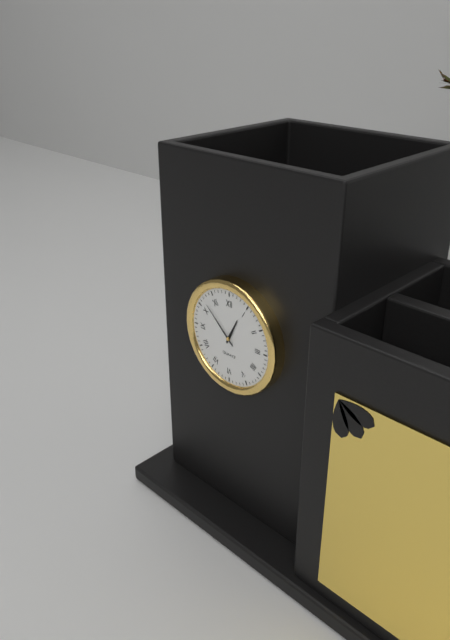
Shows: h=12 m=52
